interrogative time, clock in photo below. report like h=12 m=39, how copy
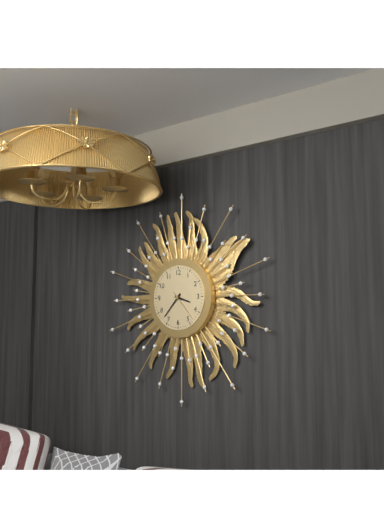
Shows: h=3 m=37
